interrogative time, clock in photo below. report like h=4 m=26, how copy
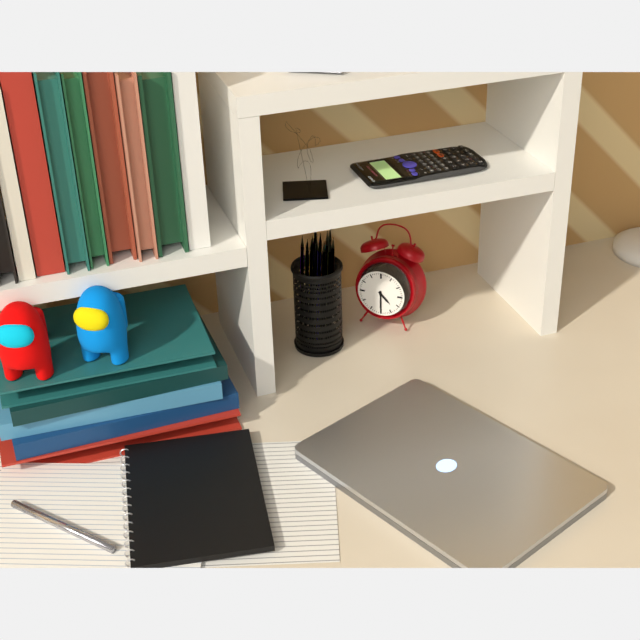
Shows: h=4 m=30
